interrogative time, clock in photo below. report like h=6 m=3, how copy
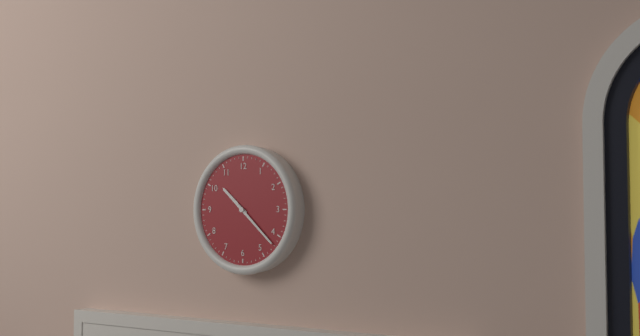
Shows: h=10 m=22
